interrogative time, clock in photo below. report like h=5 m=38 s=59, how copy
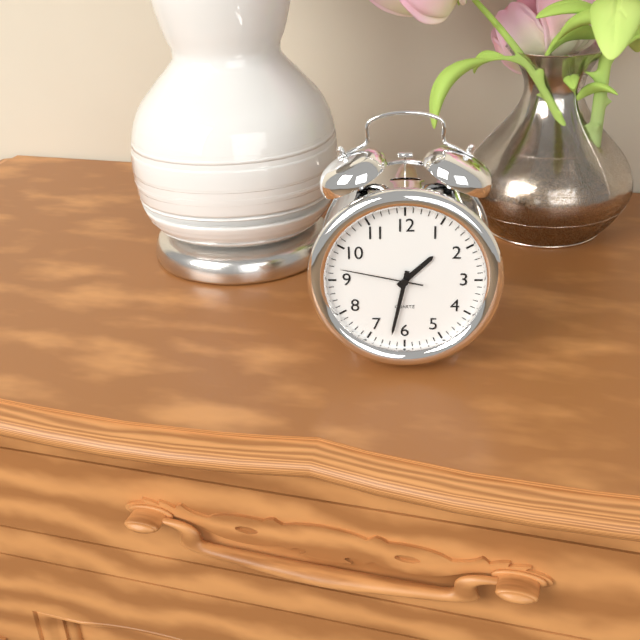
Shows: h=1 m=32 s=47
